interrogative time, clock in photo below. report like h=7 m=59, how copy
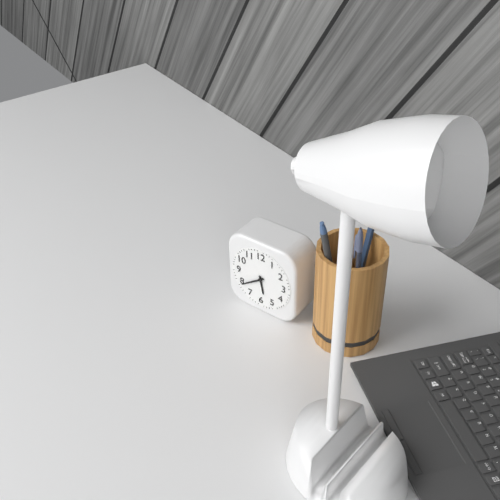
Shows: h=5 m=39
